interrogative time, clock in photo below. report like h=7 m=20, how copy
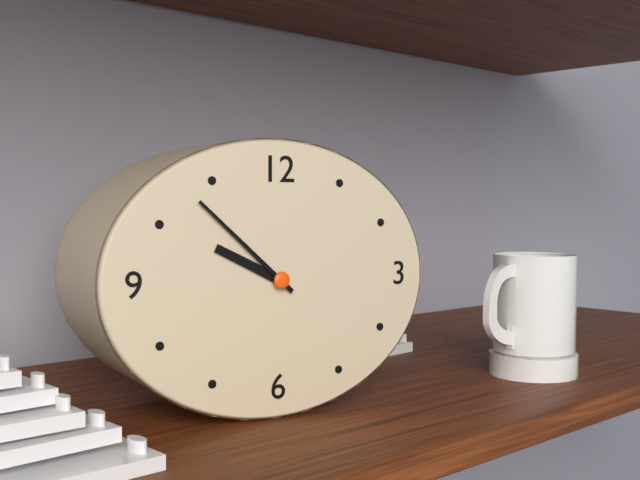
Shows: h=9 m=52
